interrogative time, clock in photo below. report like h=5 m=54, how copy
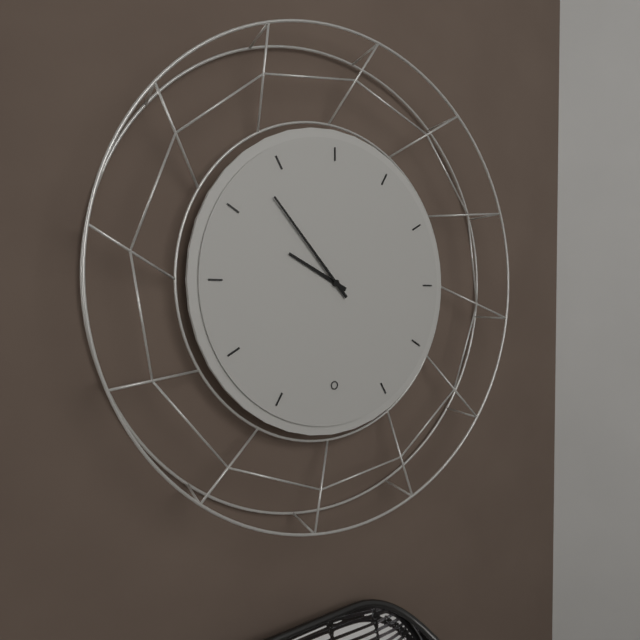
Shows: h=9 m=53
